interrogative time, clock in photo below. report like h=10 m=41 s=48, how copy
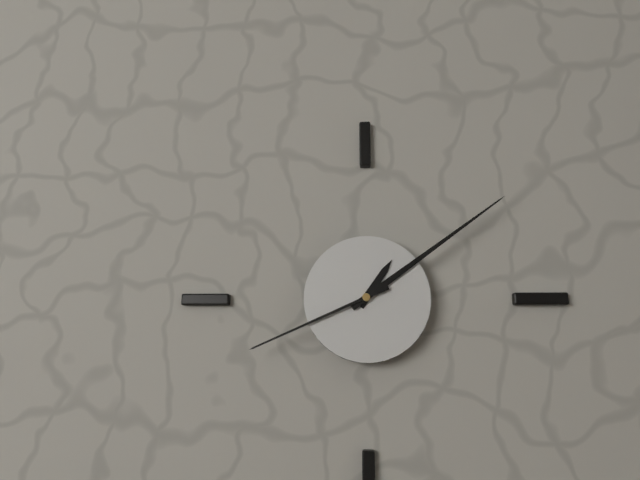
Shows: h=1 m=9 s=41
